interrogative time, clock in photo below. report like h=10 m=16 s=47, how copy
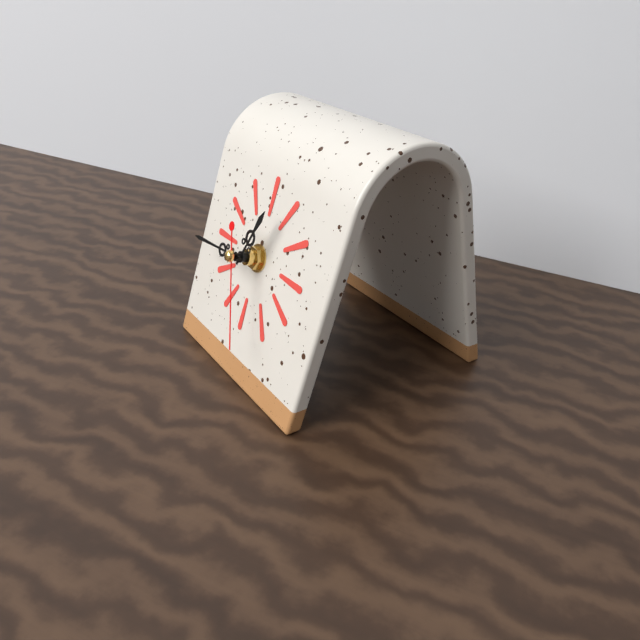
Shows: h=12 m=44 s=26
